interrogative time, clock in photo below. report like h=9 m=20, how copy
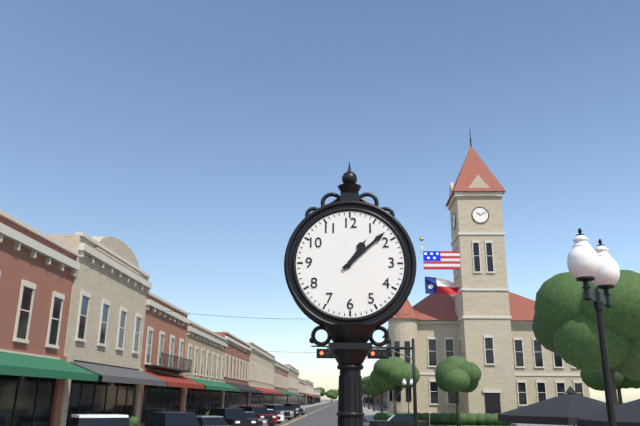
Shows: h=1 m=8
